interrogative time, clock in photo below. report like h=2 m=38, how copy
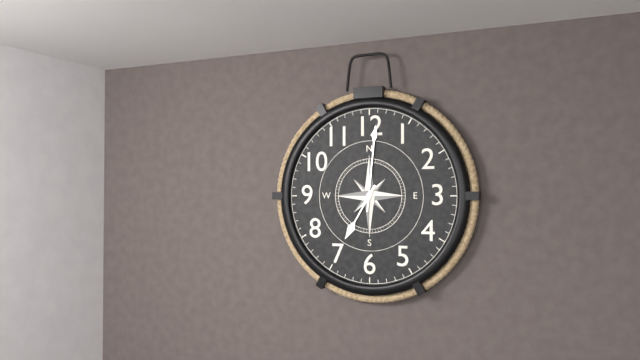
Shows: h=7 m=1
